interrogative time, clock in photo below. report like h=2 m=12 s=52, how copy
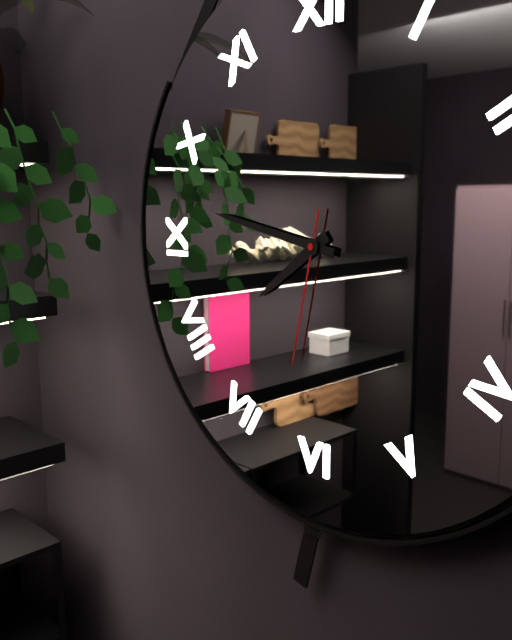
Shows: h=7 m=47 s=32
